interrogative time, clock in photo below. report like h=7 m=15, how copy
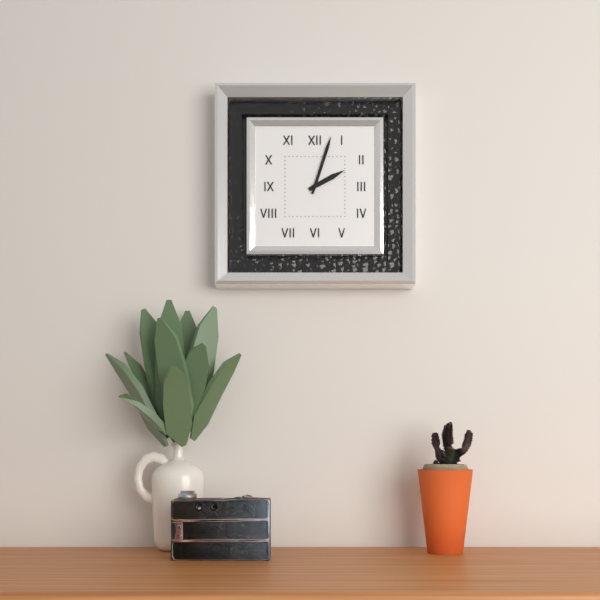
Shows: h=2 m=3
